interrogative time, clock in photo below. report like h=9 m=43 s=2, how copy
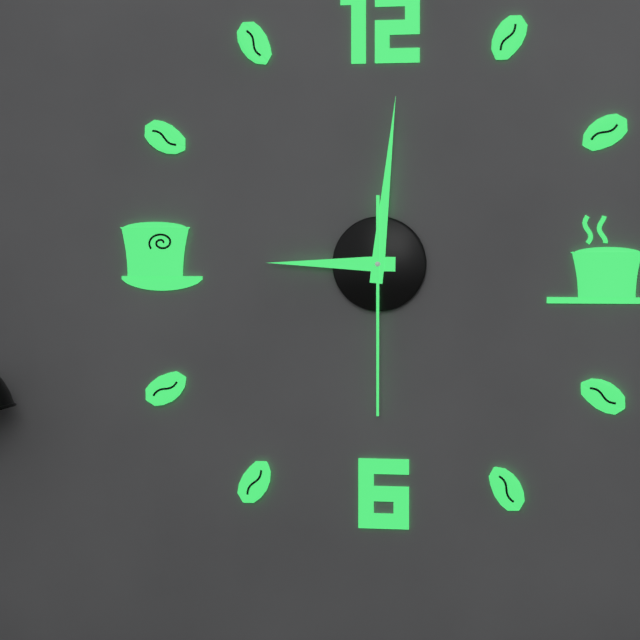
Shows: h=9 m=1 s=30
